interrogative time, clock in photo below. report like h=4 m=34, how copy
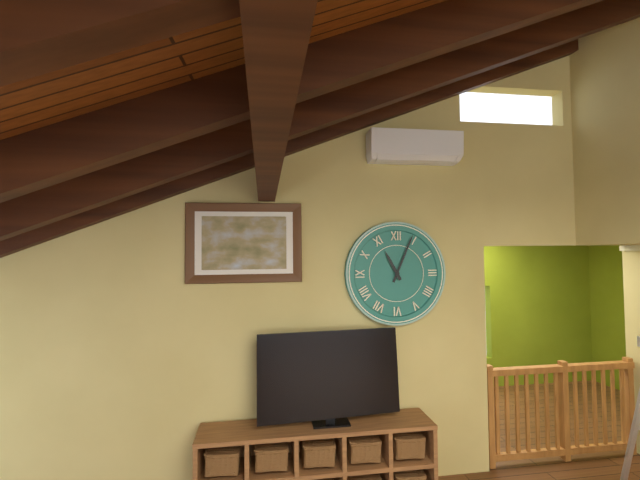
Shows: h=11 m=4
